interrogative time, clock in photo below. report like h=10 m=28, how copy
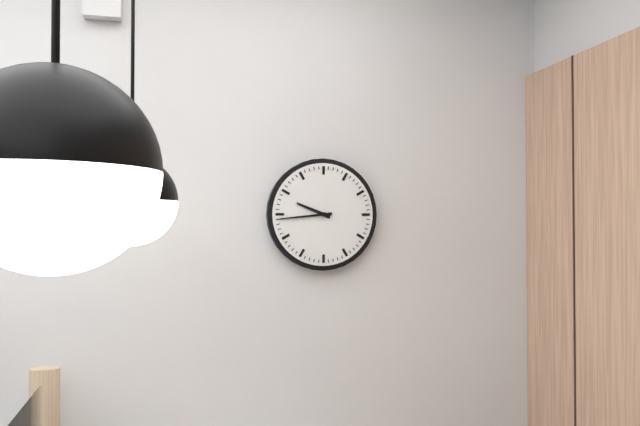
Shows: h=9 m=44
